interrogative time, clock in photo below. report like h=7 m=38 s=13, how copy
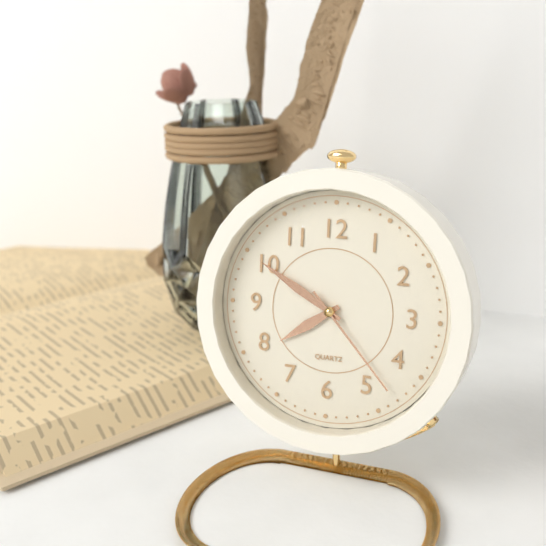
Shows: h=7 m=50 s=23
